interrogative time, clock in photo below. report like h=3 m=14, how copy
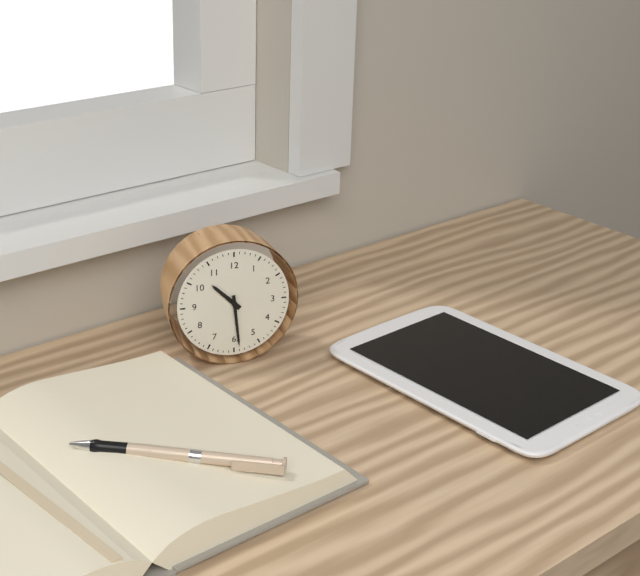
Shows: h=10 m=29
